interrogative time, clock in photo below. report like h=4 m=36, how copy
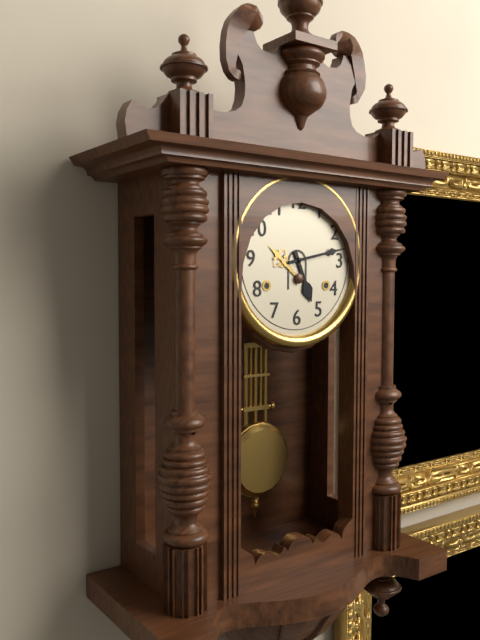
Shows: h=5 m=13
